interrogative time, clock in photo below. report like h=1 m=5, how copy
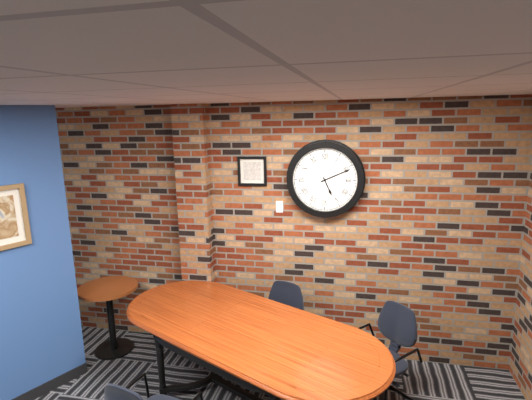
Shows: h=5 m=11
